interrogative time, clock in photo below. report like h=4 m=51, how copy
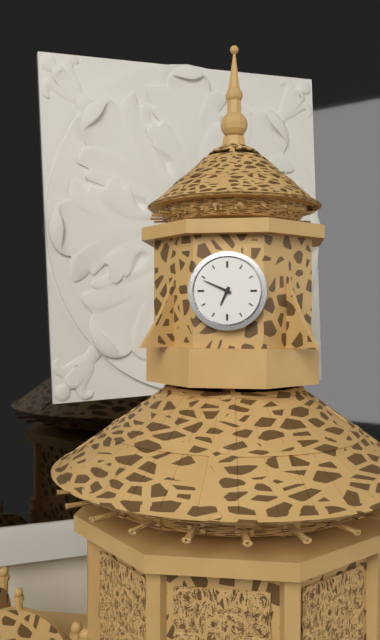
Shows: h=6 m=49
